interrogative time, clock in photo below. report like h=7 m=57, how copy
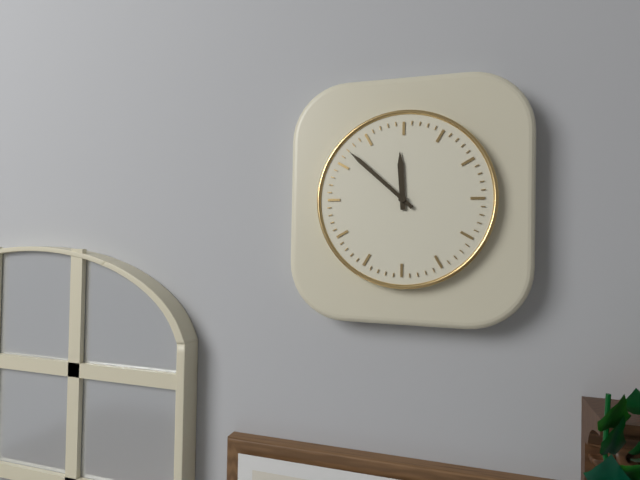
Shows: h=11 m=52
